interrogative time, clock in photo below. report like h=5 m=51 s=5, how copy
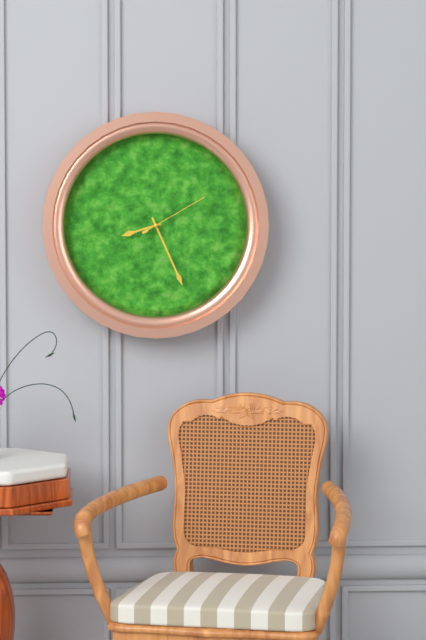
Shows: h=8 m=26 s=10
